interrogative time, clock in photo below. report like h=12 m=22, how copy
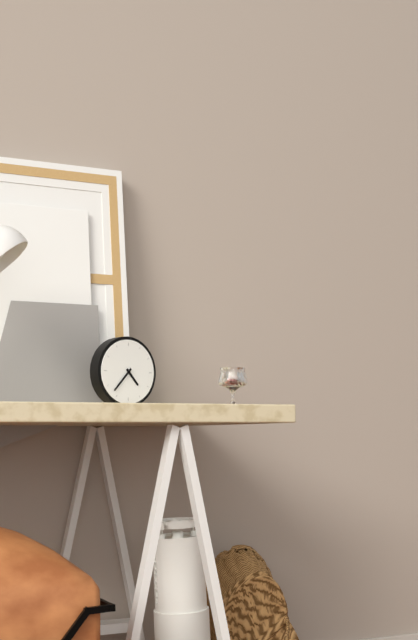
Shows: h=4 m=37
